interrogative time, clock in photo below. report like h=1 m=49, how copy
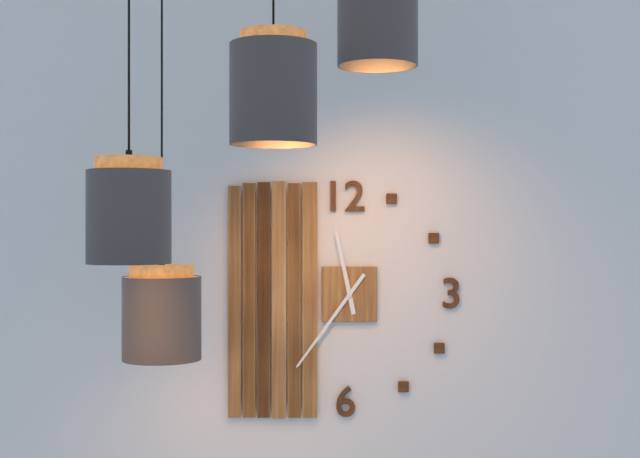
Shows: h=11 m=36
